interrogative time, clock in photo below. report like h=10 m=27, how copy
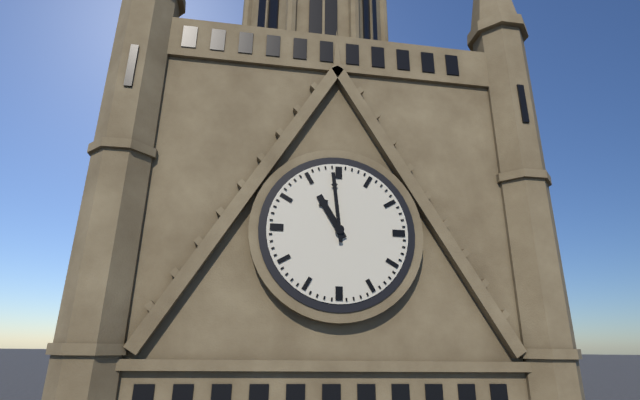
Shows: h=10 m=59
